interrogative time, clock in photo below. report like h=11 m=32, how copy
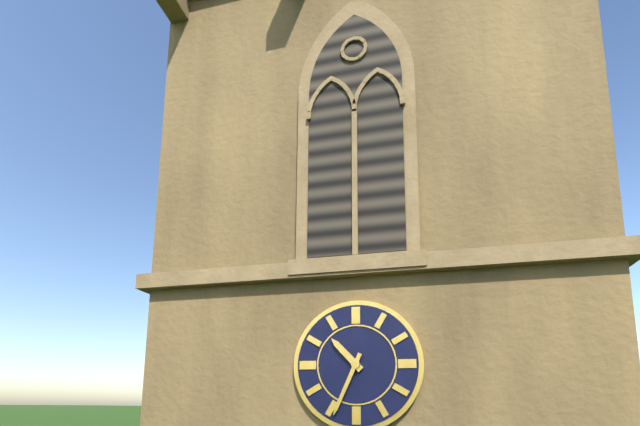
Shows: h=10 m=34
